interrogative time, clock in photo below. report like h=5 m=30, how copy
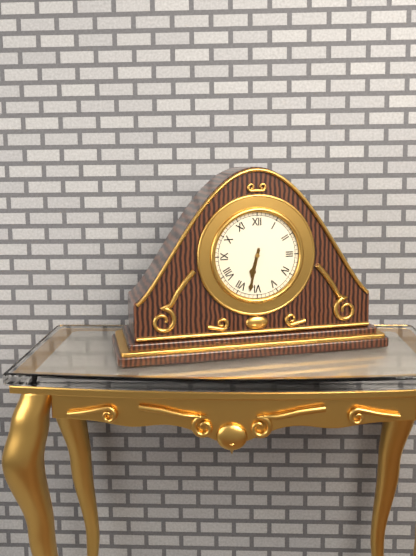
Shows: h=6 m=32
